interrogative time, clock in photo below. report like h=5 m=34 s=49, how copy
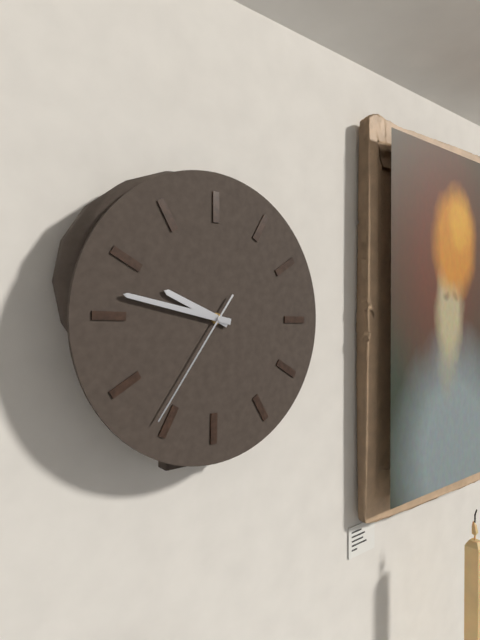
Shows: h=9 m=47 s=36
